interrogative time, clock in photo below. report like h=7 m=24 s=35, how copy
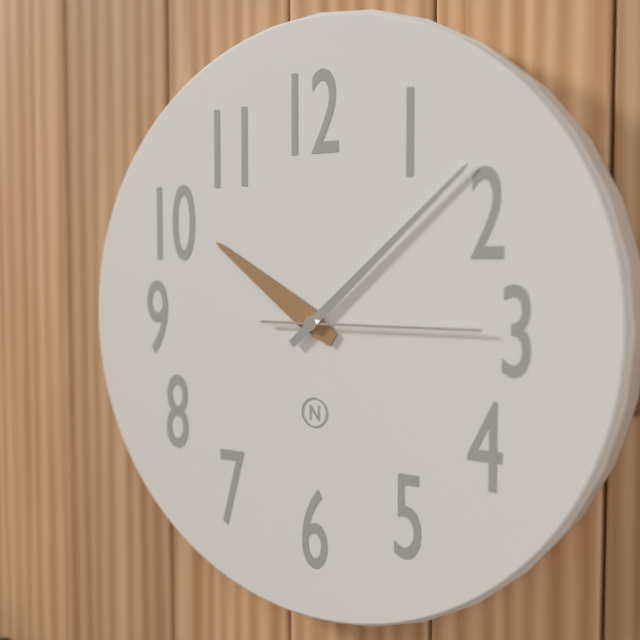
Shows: h=10 m=8 s=15
